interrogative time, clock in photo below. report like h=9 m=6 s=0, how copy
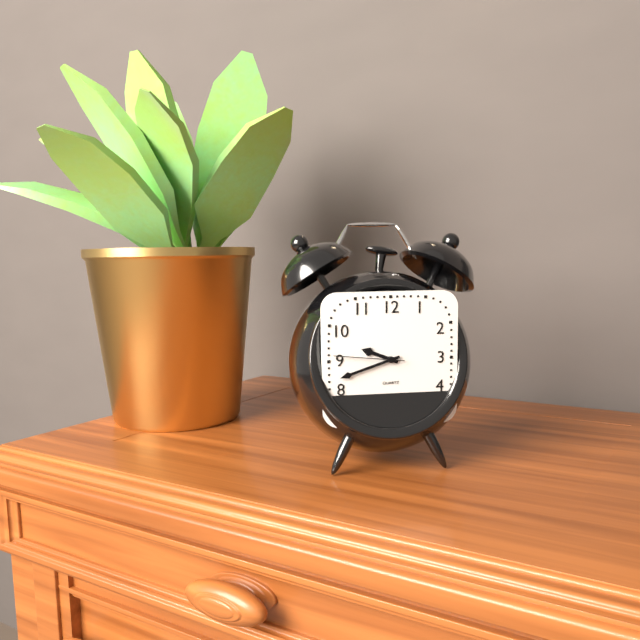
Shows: h=9 m=42 s=46
